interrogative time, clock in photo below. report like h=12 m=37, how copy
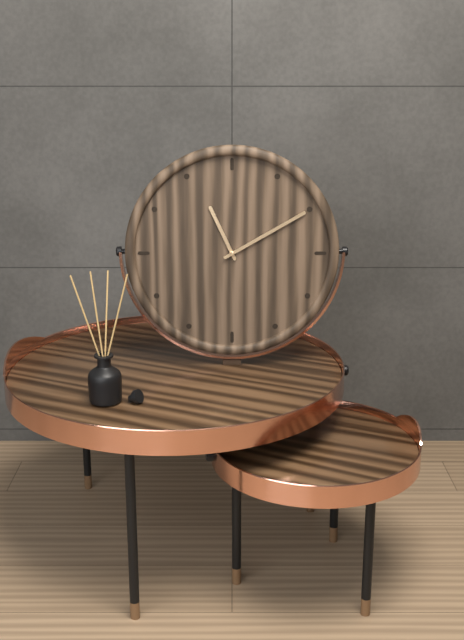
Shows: h=11 m=10
